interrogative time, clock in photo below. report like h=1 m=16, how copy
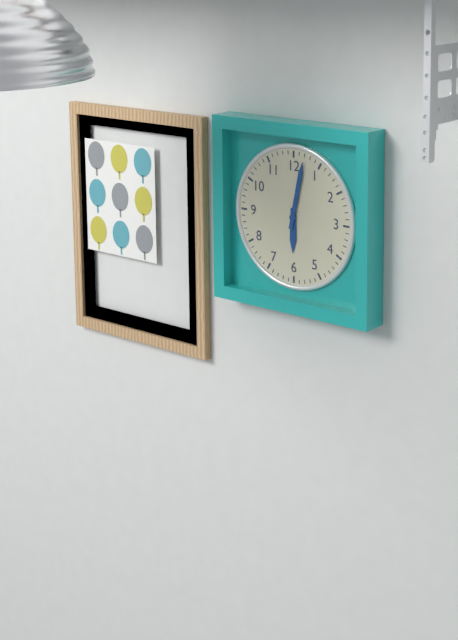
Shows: h=6 m=2
